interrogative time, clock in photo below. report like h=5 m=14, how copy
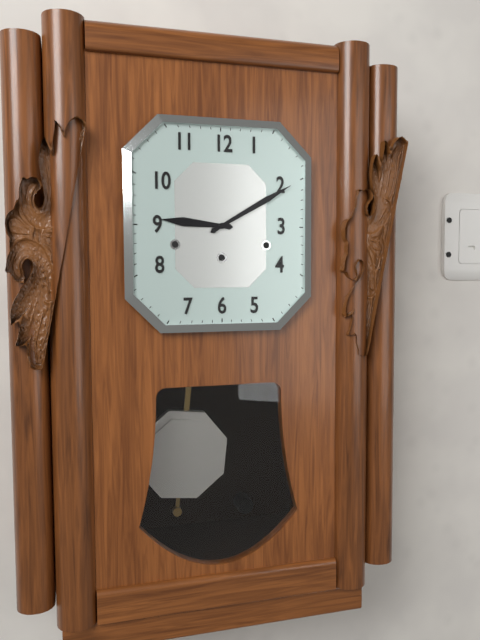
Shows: h=9 m=10
